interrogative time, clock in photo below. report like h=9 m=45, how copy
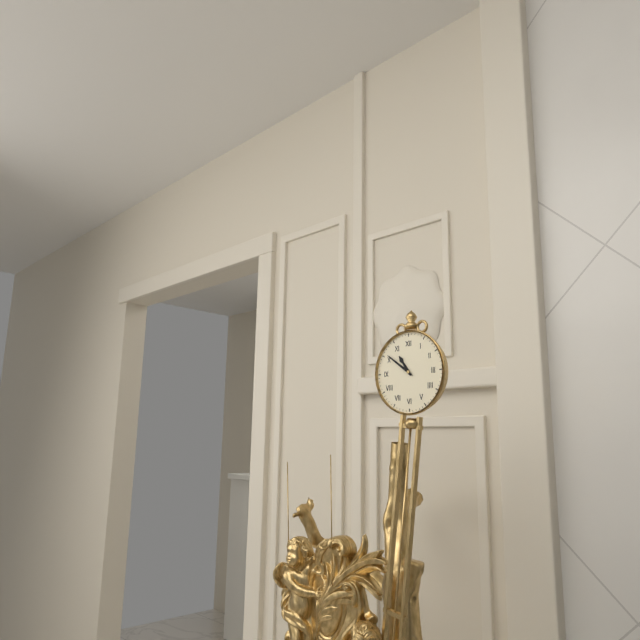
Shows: h=10 m=51
